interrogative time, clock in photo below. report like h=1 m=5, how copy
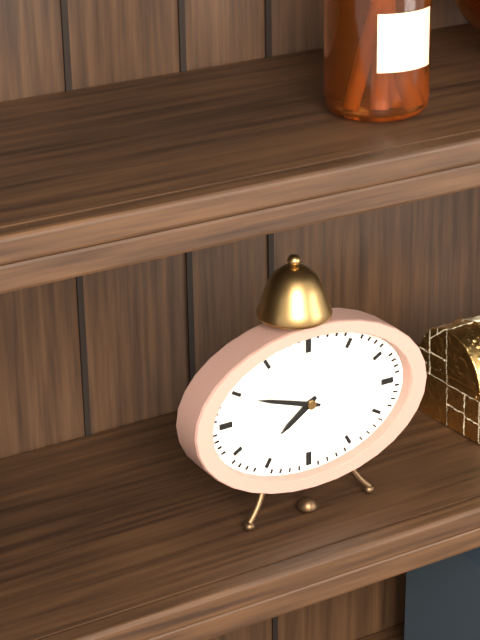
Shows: h=7 m=48
